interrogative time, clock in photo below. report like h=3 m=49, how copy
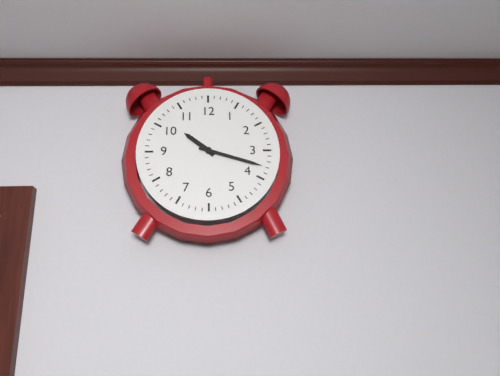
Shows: h=10 m=18
